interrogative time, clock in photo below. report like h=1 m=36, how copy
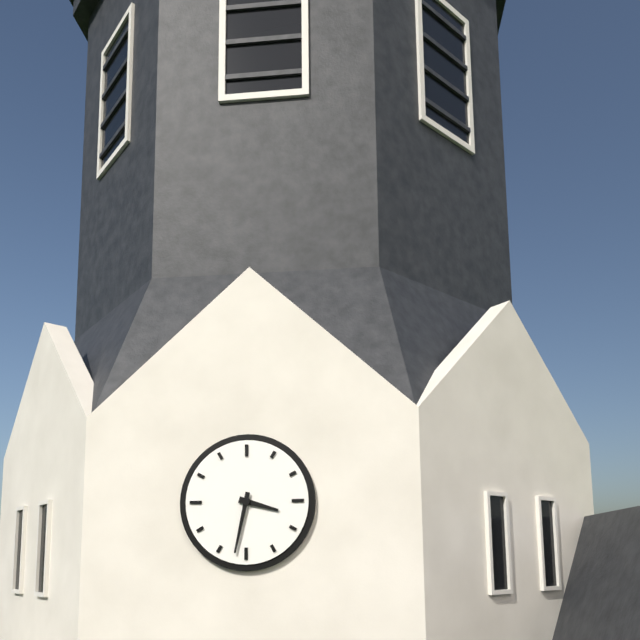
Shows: h=3 m=32
